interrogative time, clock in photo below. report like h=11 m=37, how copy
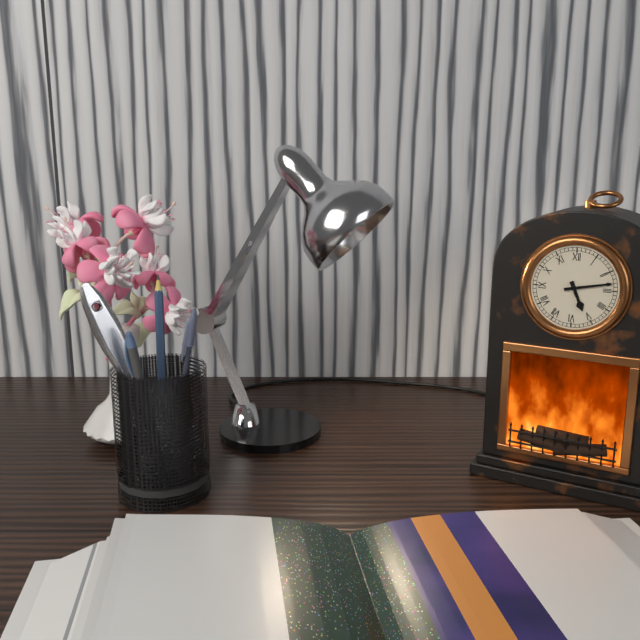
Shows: h=5 m=13
